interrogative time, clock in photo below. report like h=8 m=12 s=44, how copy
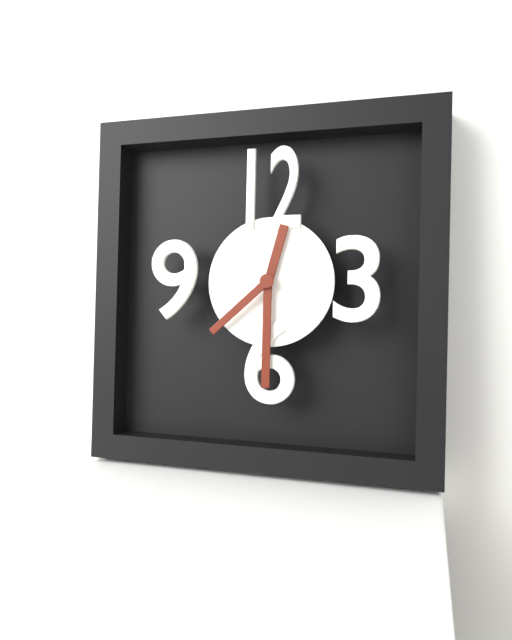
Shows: h=12 m=30 s=38
